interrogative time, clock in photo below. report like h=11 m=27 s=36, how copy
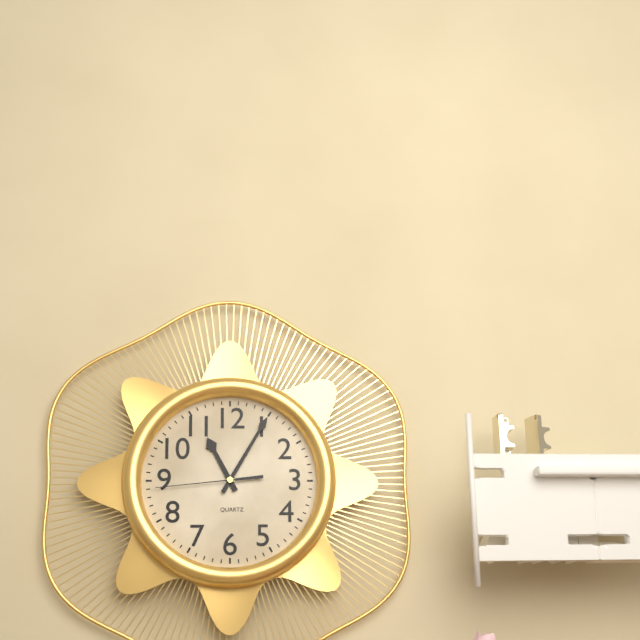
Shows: h=11 m=5 s=44
